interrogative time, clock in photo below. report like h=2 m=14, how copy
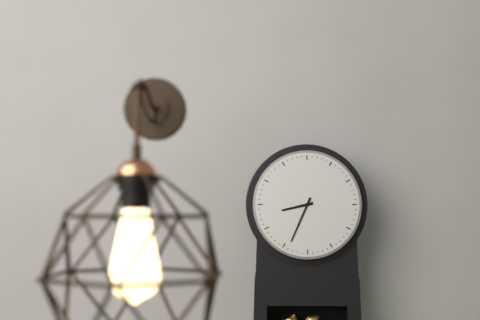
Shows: h=8 m=34
